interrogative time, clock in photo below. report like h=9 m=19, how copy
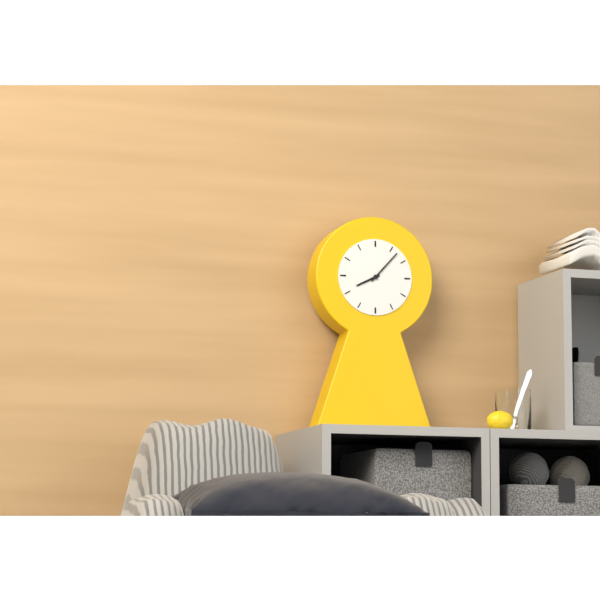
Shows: h=8 m=7
